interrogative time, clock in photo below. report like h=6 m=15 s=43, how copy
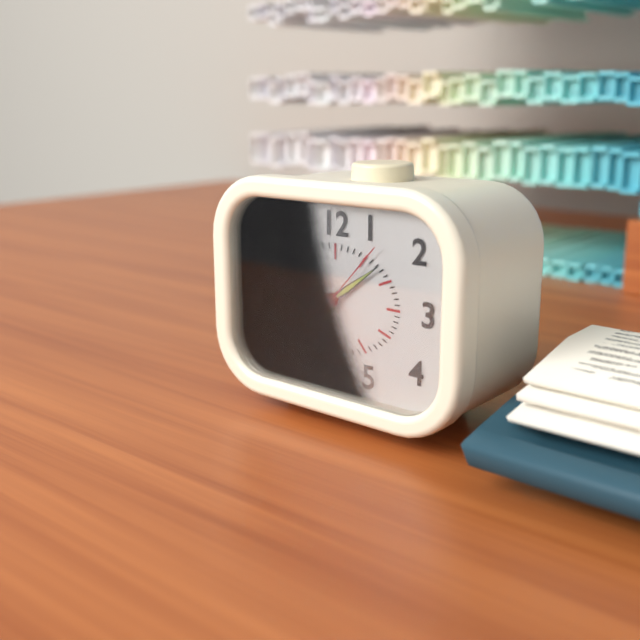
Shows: h=7 m=9 s=7
